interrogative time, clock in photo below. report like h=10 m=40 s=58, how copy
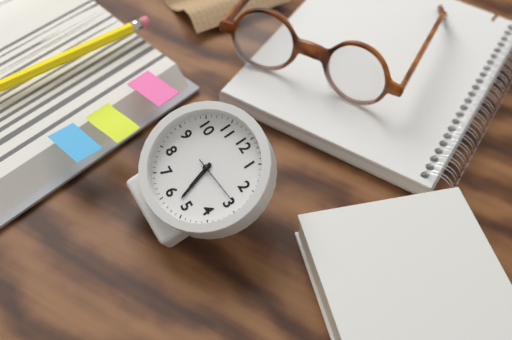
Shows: h=5 m=27 s=14
